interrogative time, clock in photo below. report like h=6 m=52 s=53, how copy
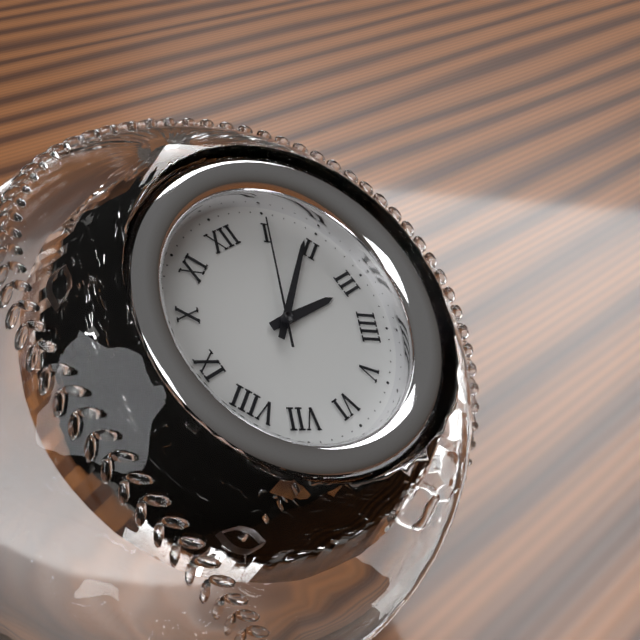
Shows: h=3 m=9 s=5
